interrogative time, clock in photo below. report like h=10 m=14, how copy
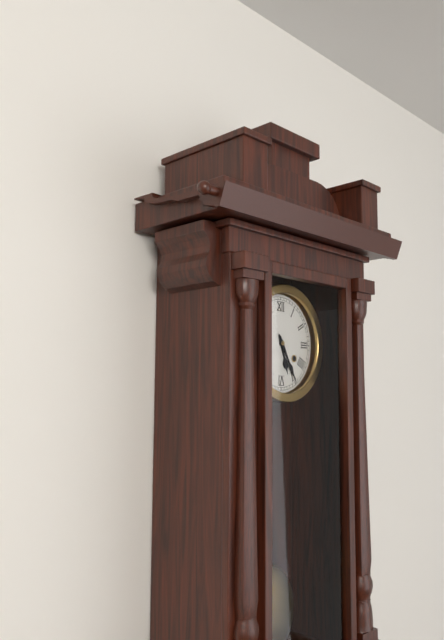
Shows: h=5 m=25
